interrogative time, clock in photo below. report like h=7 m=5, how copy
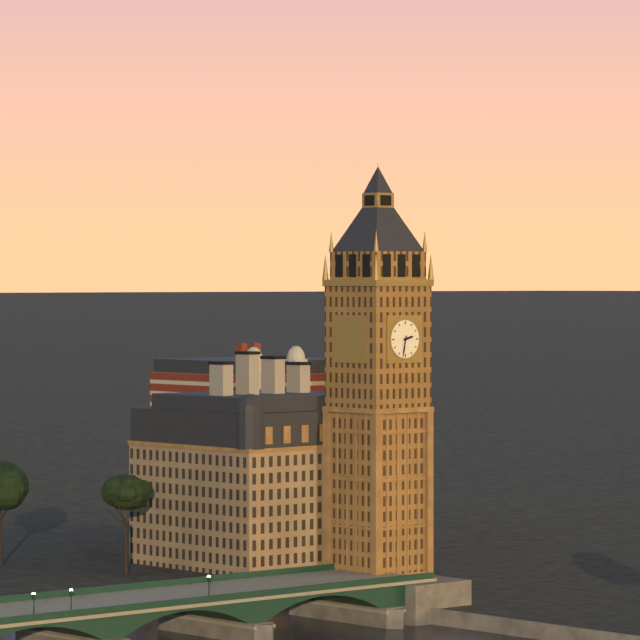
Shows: h=2 m=32
